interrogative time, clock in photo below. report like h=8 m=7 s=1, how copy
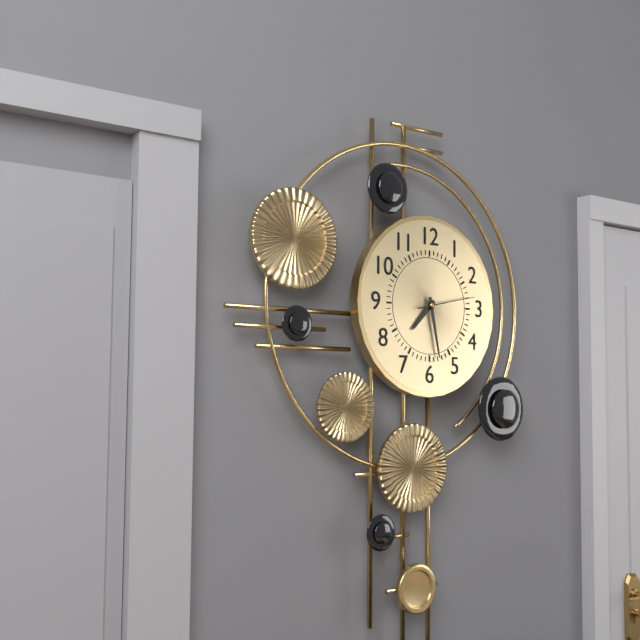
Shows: h=7 m=28 s=13
